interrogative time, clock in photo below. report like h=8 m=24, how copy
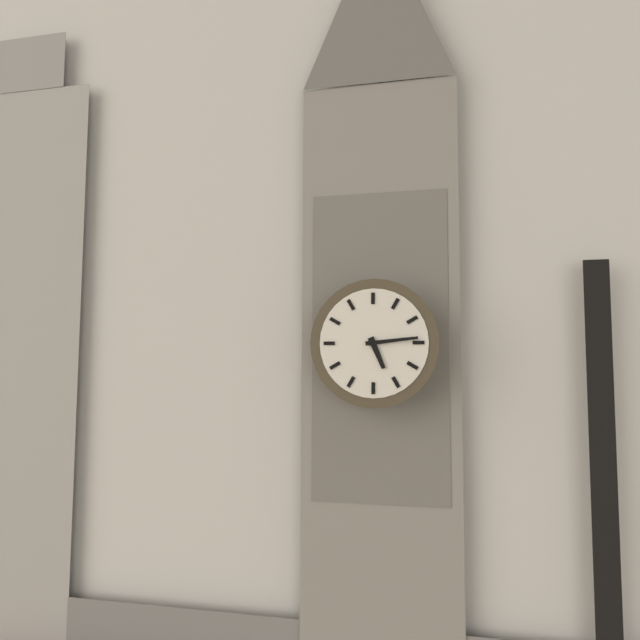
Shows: h=5 m=14
